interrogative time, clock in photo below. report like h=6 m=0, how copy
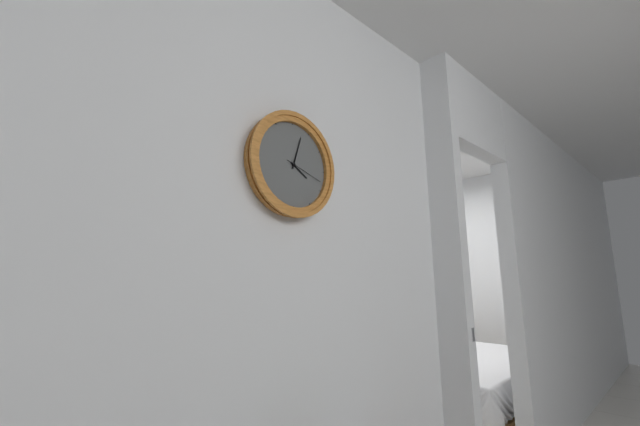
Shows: h=4 m=3
